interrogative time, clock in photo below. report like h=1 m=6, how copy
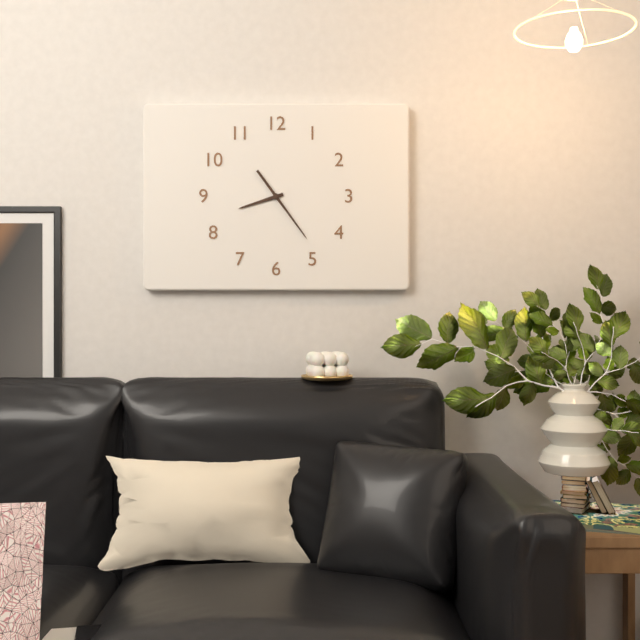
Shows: h=8 m=24
